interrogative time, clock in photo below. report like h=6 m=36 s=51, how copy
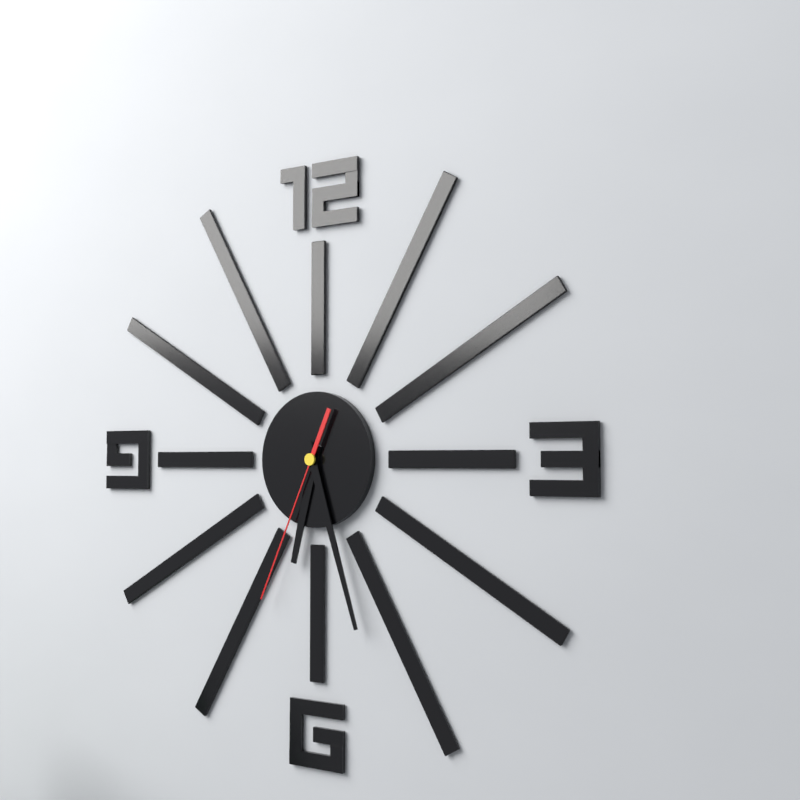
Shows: h=6 m=27 s=34
